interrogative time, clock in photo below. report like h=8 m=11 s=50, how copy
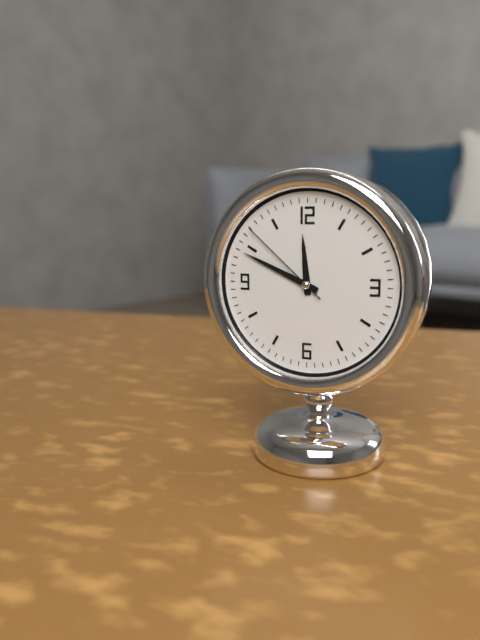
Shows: h=11 m=49 s=52
